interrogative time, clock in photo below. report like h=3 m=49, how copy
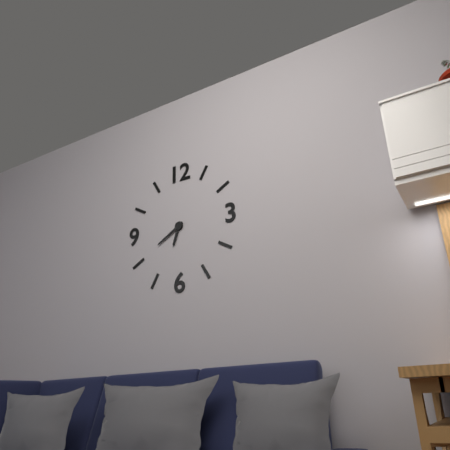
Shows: h=6 m=40
